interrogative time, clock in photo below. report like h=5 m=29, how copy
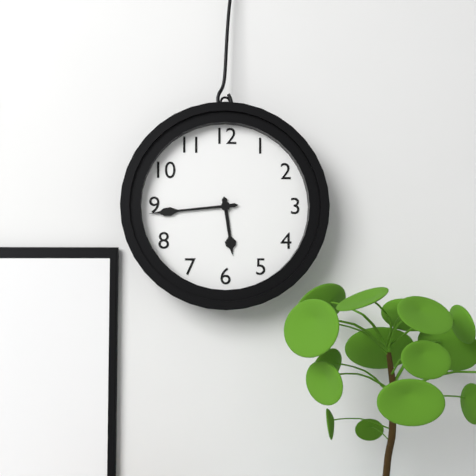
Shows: h=5 m=44
